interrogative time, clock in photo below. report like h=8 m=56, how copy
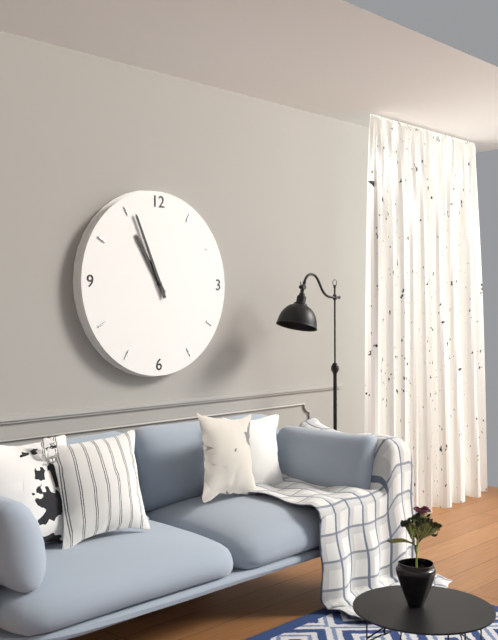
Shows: h=10 m=56
